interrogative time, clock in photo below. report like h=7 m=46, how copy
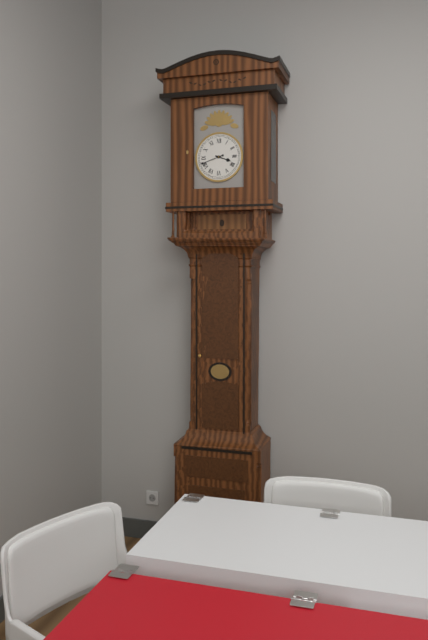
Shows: h=3 m=42
